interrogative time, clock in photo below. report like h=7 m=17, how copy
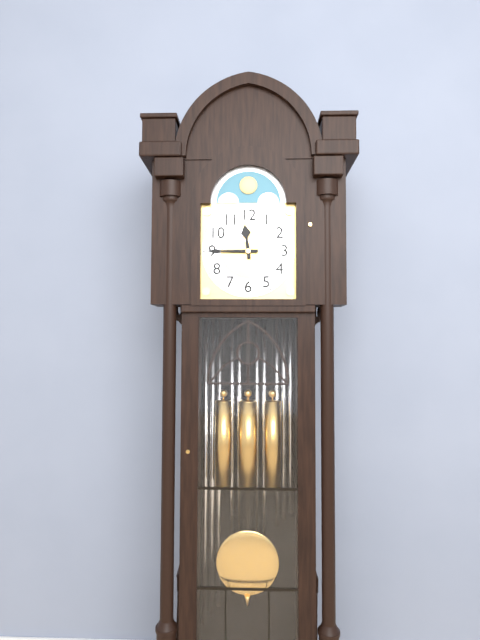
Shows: h=11 m=45
